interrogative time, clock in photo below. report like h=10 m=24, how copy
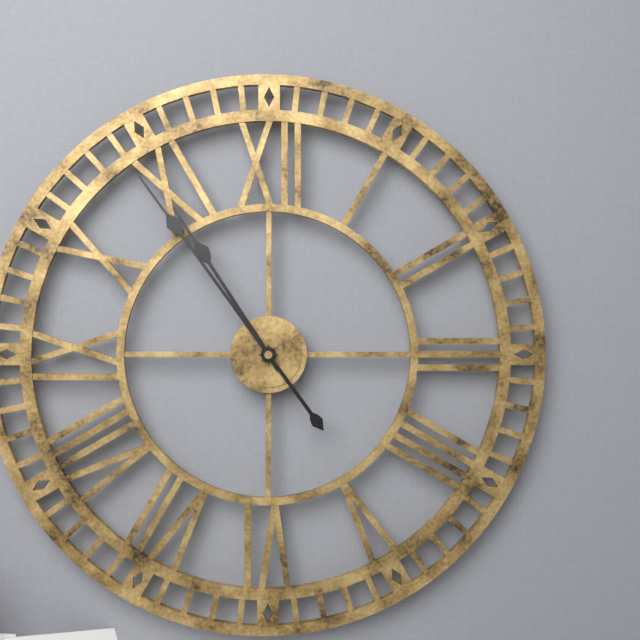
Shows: h=10 m=54
